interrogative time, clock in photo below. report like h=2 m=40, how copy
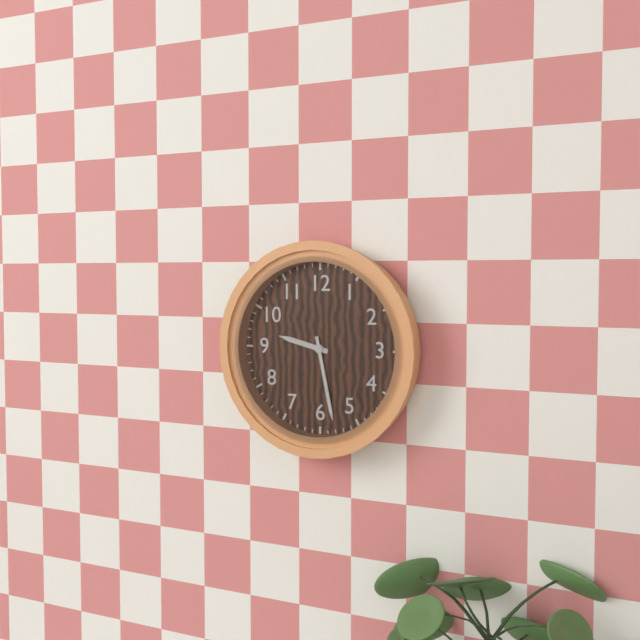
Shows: h=9 m=28
